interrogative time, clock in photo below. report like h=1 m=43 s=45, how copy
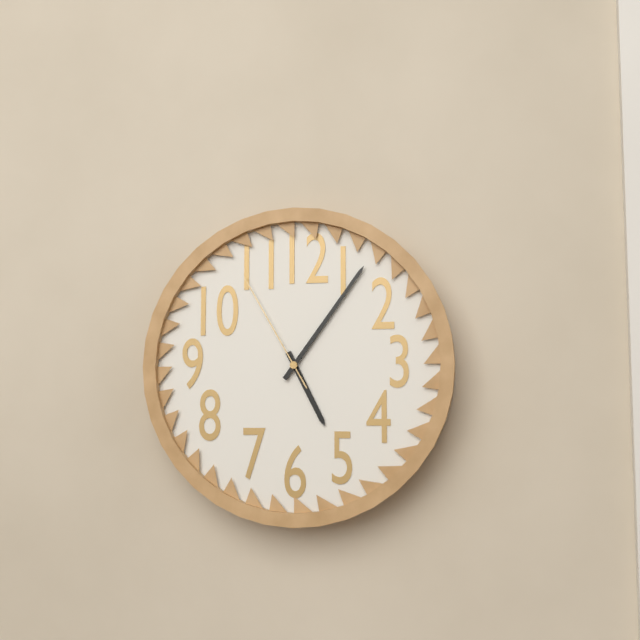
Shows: h=5 m=6 s=55
